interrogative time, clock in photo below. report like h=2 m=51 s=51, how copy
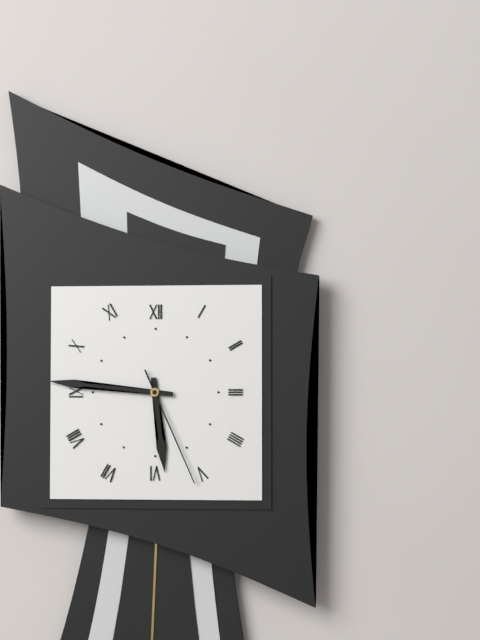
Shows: h=5 m=46 s=26
